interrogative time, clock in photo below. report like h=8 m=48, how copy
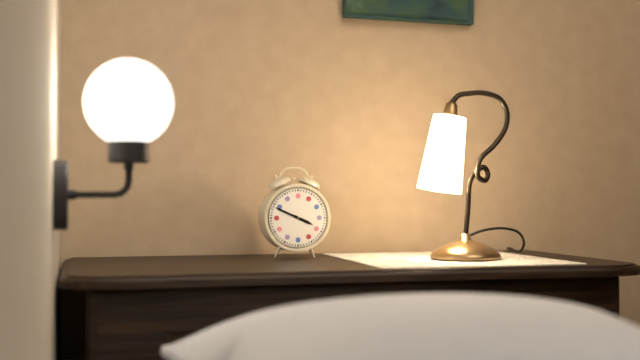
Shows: h=3 m=49
